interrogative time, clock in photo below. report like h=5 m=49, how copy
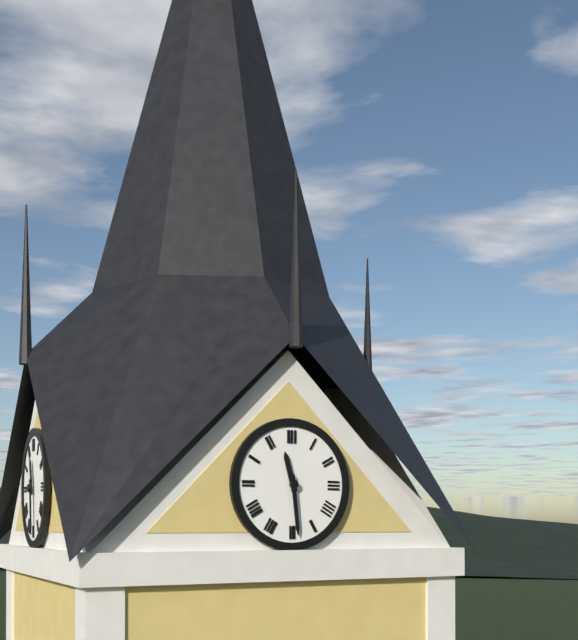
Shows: h=11 m=29
